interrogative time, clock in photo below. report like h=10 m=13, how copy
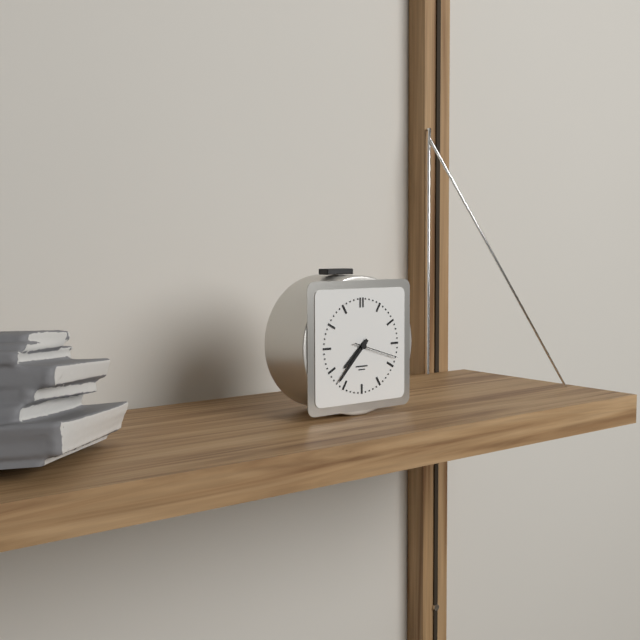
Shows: h=7 m=37
